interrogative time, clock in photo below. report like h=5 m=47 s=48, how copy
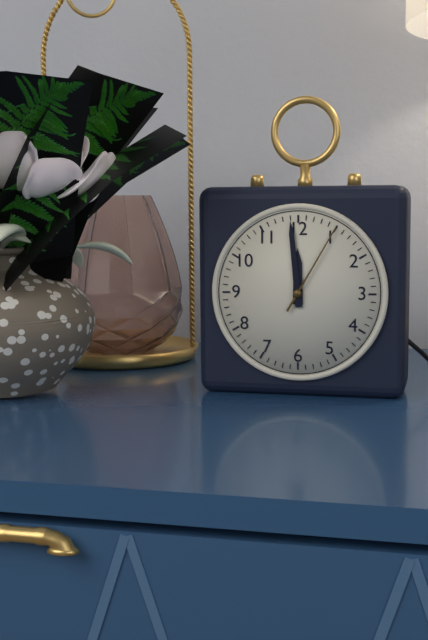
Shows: h=11 m=59 s=5
